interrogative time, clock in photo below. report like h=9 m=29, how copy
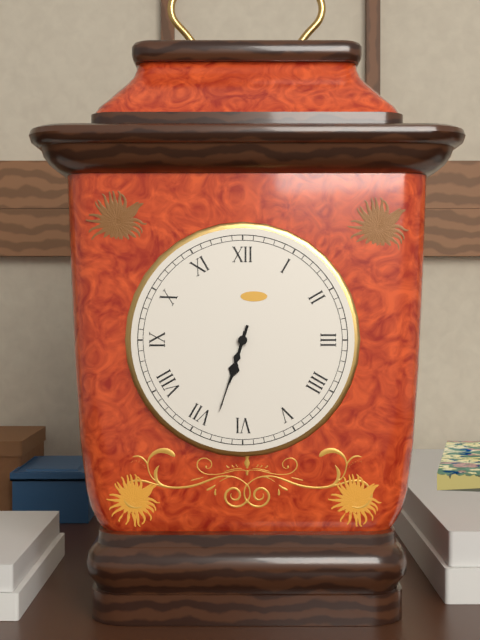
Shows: h=6 m=33
